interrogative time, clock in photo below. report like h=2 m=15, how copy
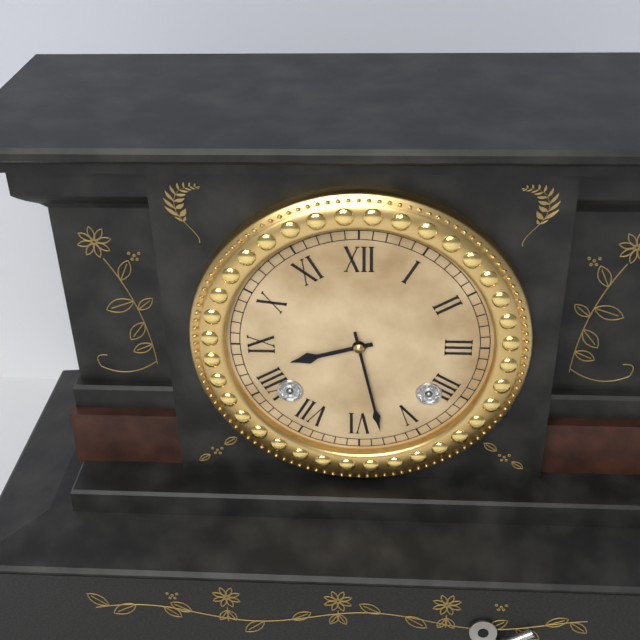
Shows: h=8 m=28
